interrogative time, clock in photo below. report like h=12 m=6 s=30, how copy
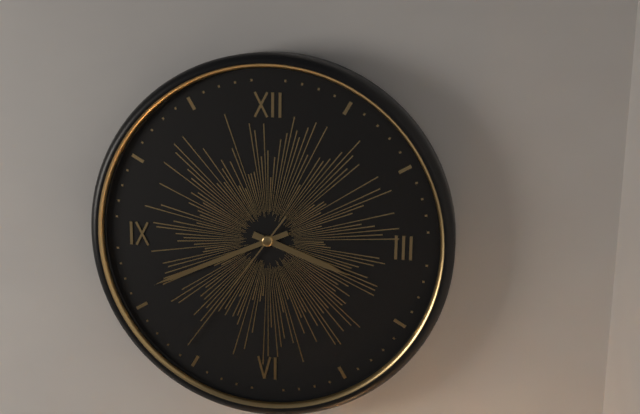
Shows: h=3 m=41 s=36
